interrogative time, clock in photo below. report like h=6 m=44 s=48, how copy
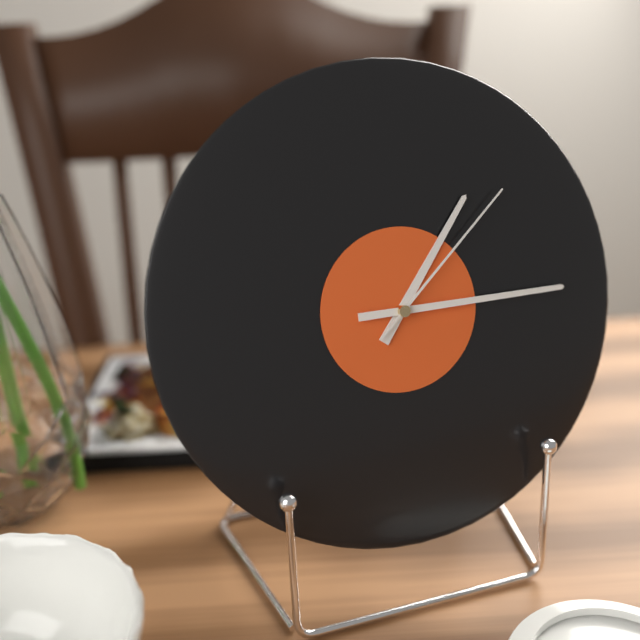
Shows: h=1 m=15 s=8
